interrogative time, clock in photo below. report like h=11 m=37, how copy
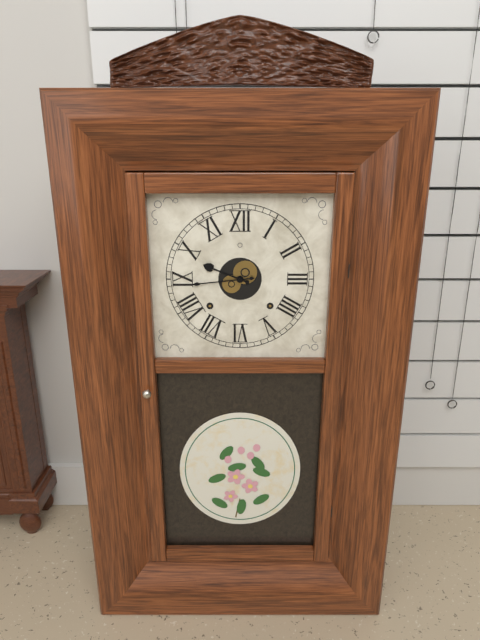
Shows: h=9 m=44
